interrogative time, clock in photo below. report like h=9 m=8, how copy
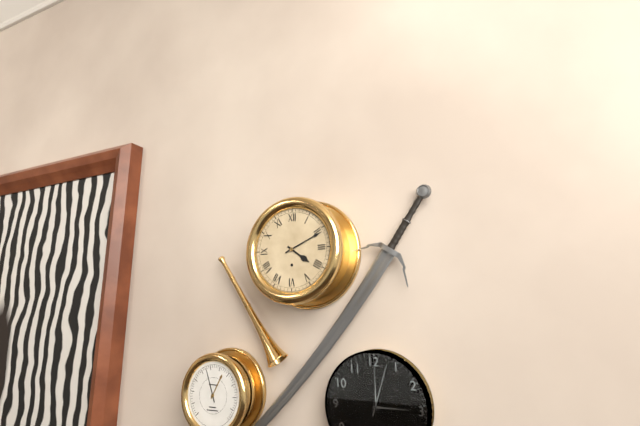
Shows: h=4 m=11
